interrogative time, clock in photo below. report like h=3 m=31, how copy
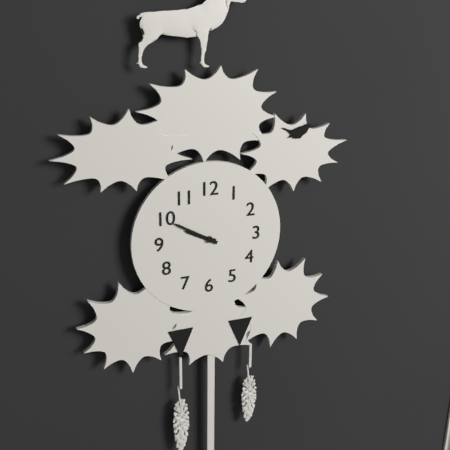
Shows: h=9 m=50
